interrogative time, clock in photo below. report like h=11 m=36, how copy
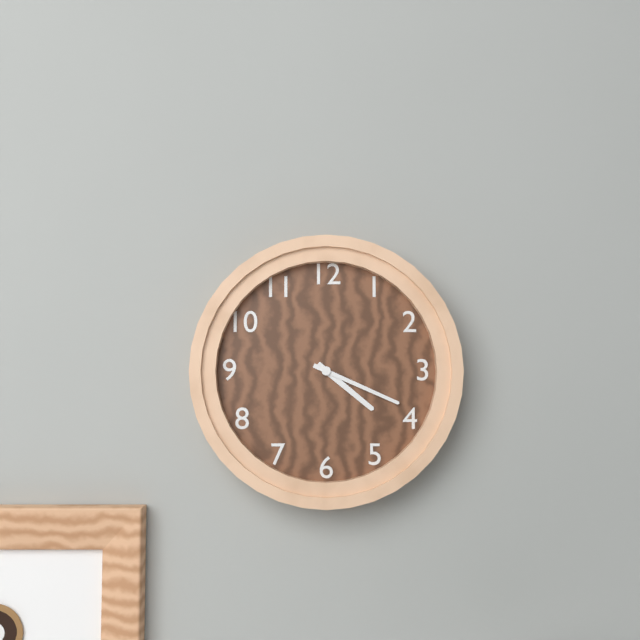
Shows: h=4 m=19
